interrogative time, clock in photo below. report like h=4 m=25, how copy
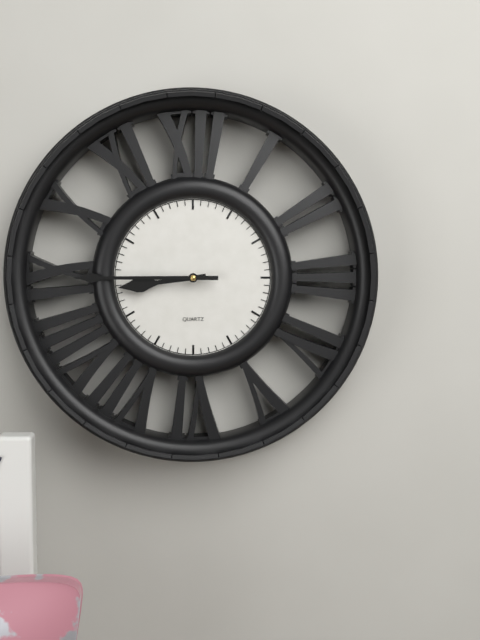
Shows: h=8 m=45
